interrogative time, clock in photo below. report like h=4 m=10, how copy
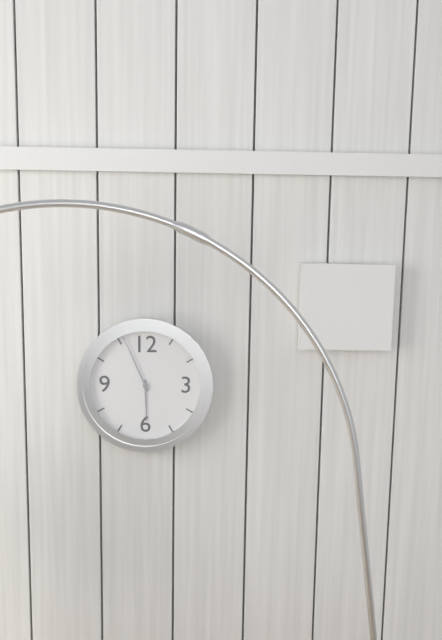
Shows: h=5 m=56
